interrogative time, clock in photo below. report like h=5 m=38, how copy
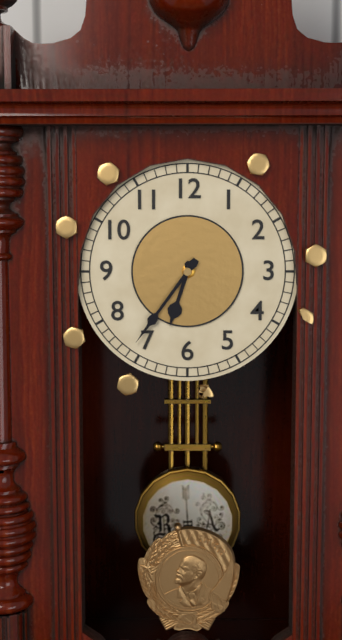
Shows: h=6 m=36
